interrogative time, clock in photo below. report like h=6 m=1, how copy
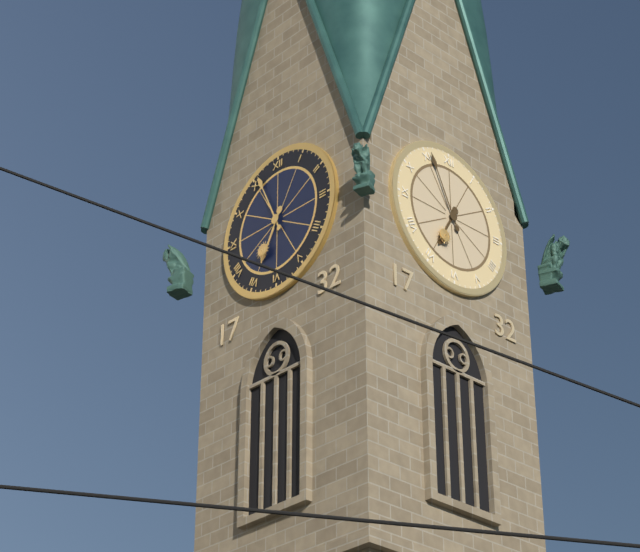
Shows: h=6 m=56
